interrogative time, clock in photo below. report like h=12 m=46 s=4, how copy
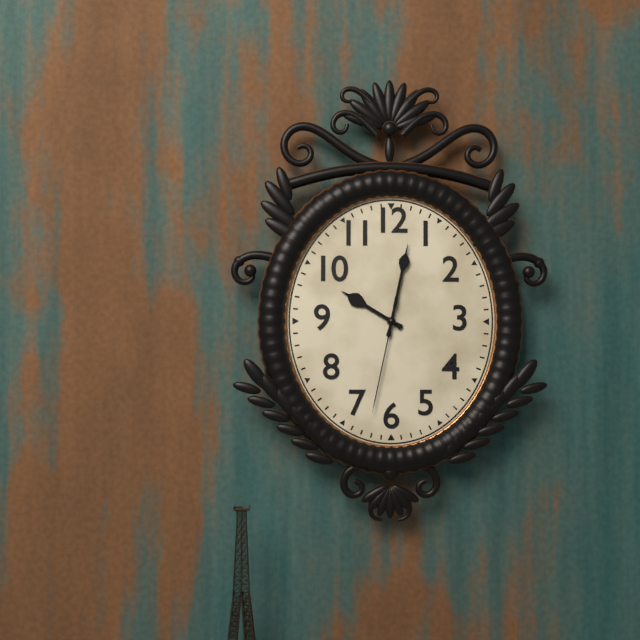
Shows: h=10 m=2 s=32
